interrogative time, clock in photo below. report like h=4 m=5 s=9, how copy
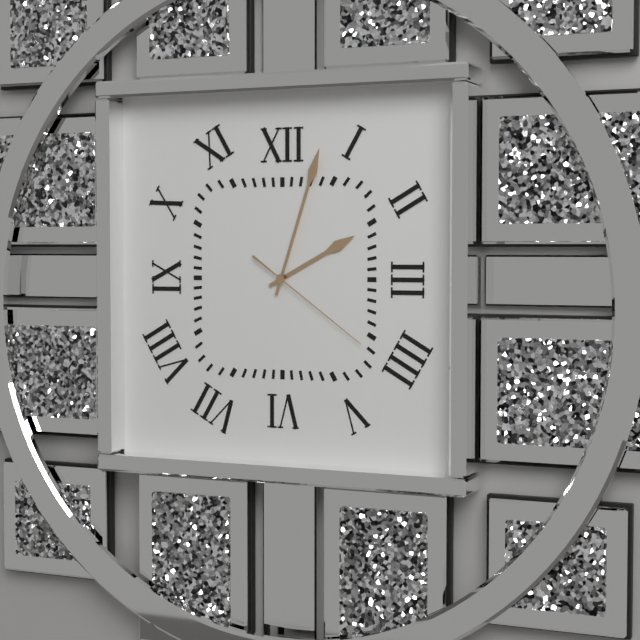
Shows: h=2 m=3 s=21
